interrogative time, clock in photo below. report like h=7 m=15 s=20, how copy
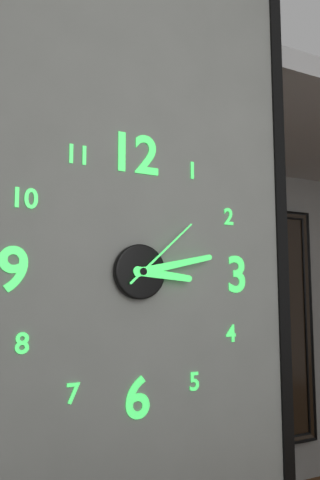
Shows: h=3 m=13 s=8
